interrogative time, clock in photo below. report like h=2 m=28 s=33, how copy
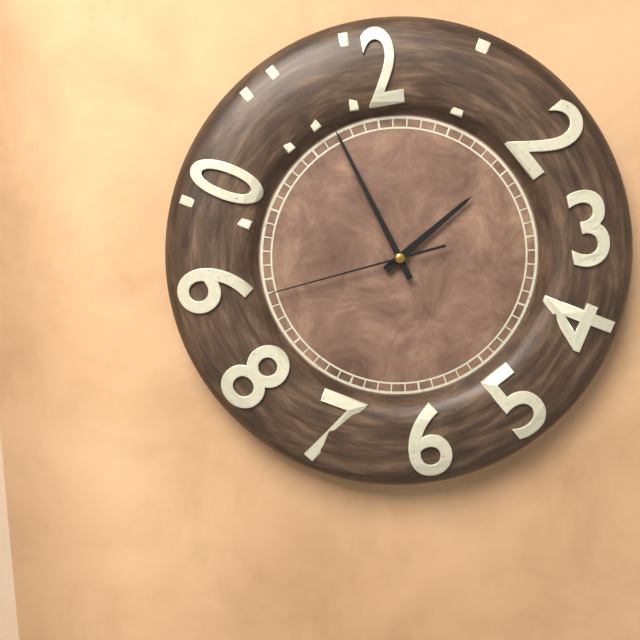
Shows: h=1 m=57 s=44
